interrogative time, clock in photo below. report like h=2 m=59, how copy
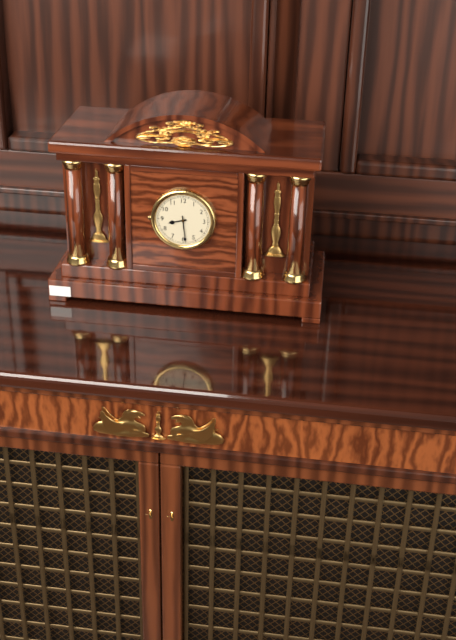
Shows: h=8 m=29
